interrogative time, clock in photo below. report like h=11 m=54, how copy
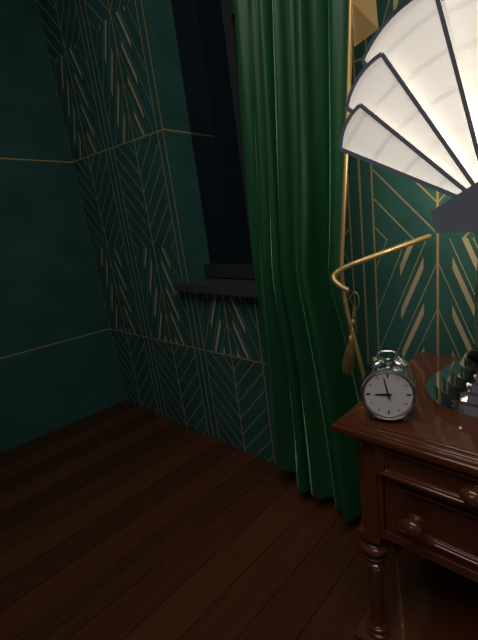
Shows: h=8 m=58
